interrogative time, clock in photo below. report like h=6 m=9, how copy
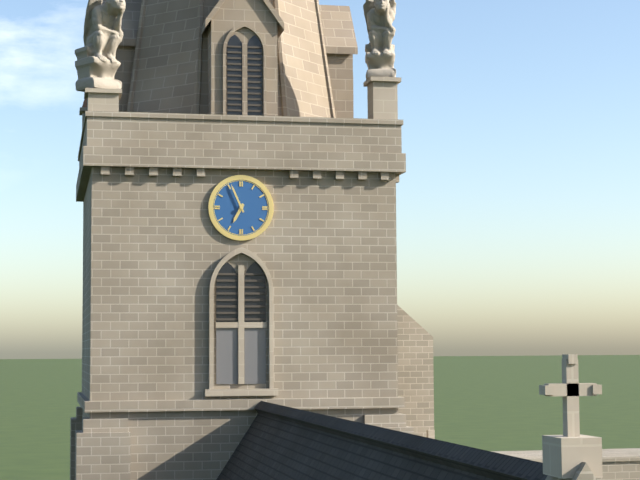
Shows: h=6 m=56
